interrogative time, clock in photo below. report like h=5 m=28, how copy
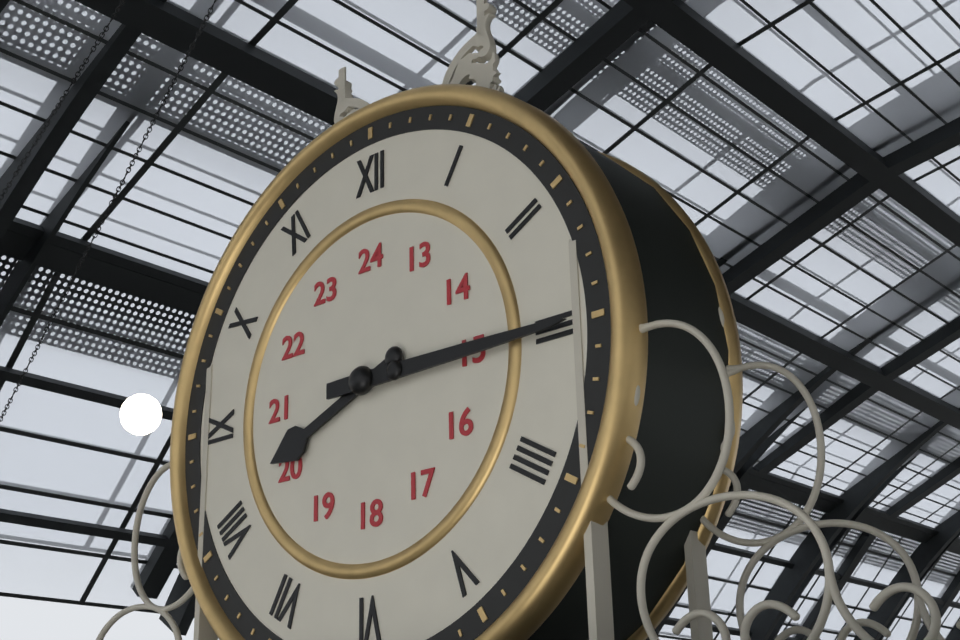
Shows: h=8 m=15
